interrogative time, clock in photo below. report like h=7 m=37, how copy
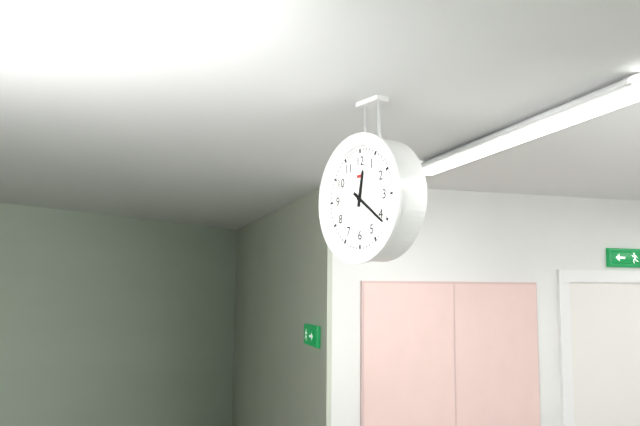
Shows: h=12 m=21
